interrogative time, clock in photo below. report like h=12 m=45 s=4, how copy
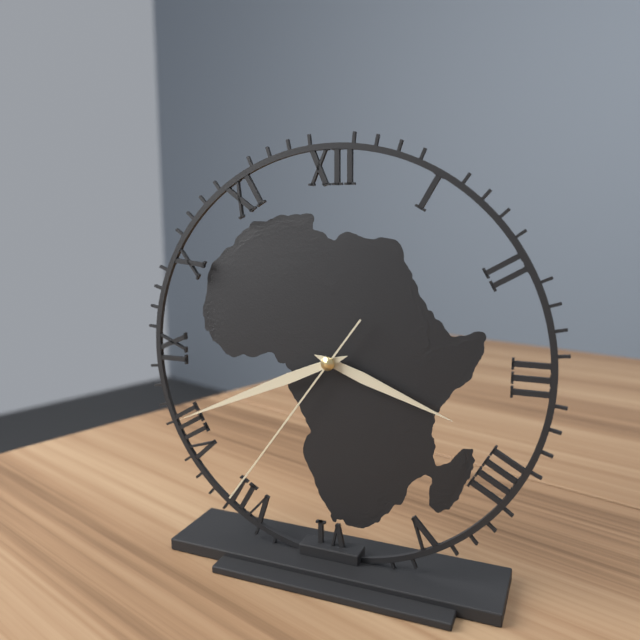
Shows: h=3 m=41 s=36
